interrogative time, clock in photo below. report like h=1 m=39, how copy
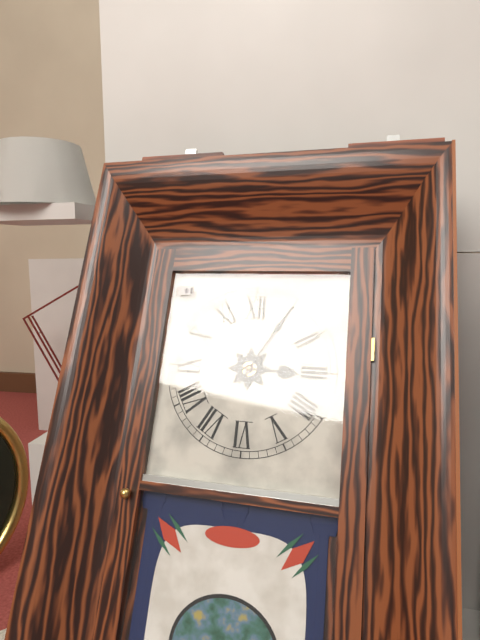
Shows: h=3 m=5
